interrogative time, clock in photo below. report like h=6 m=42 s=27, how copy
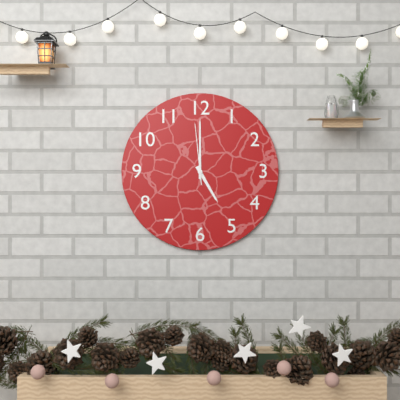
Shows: h=5 m=0 s=59
